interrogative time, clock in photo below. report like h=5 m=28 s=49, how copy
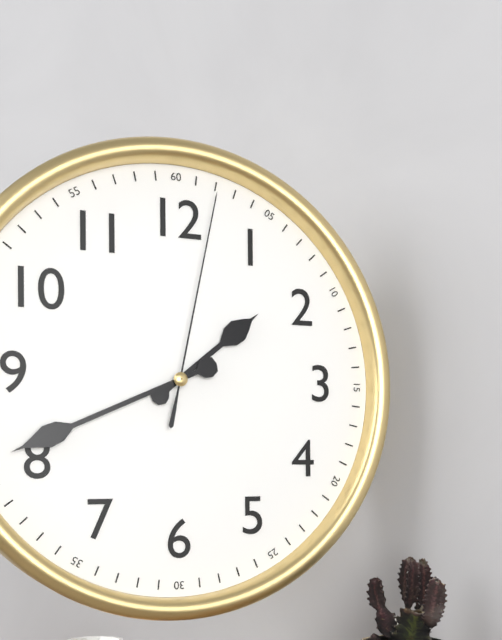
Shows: h=1 m=41 s=2
